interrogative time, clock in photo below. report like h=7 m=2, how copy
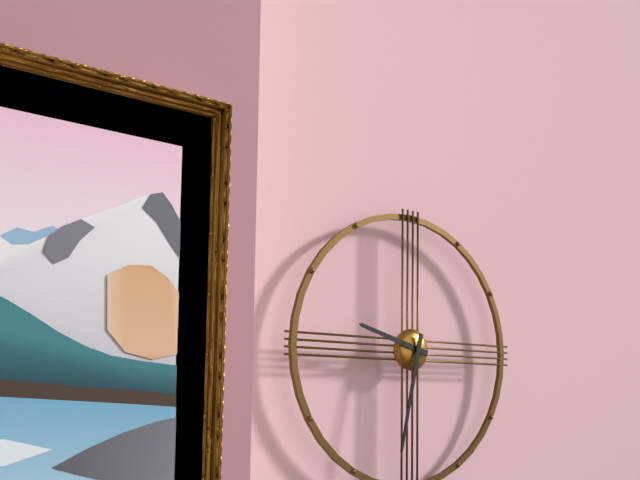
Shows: h=9 m=32
